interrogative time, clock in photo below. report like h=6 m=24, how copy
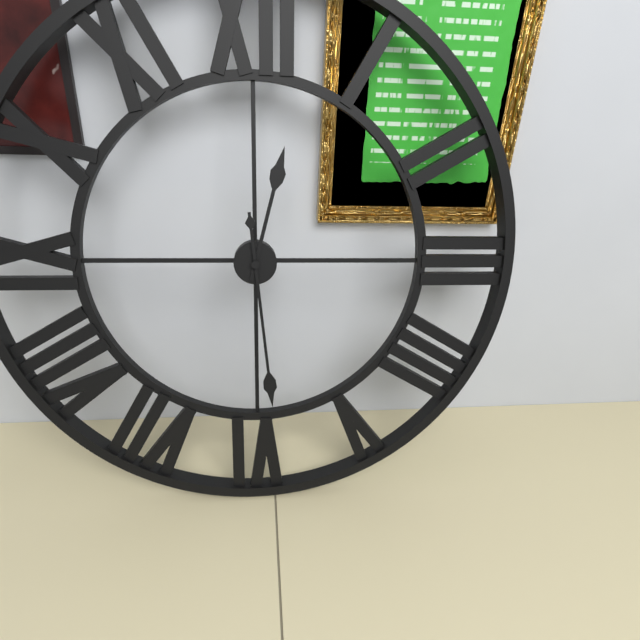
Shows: h=12 m=29
